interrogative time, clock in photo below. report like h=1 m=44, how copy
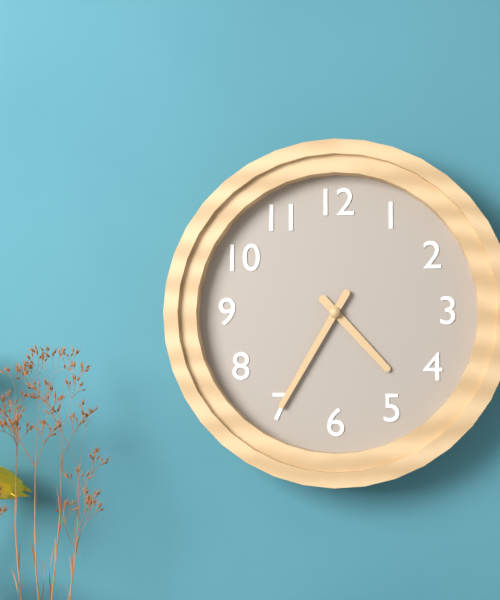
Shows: h=4 m=35
